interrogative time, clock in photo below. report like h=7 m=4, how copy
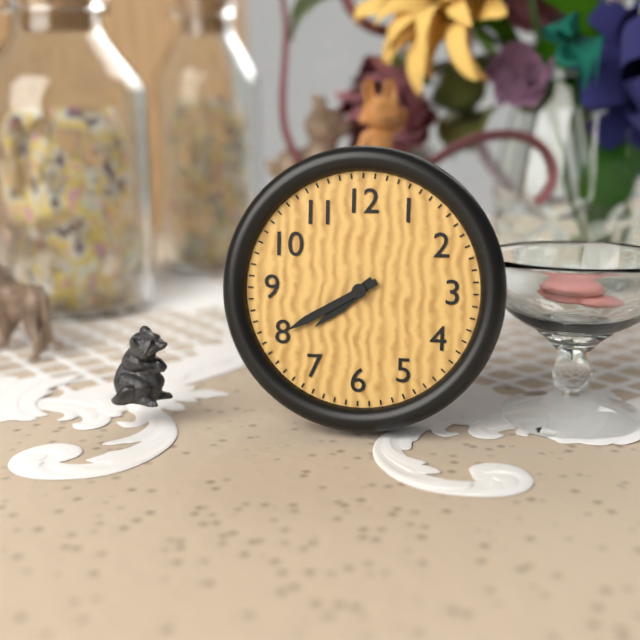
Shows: h=7 m=40
